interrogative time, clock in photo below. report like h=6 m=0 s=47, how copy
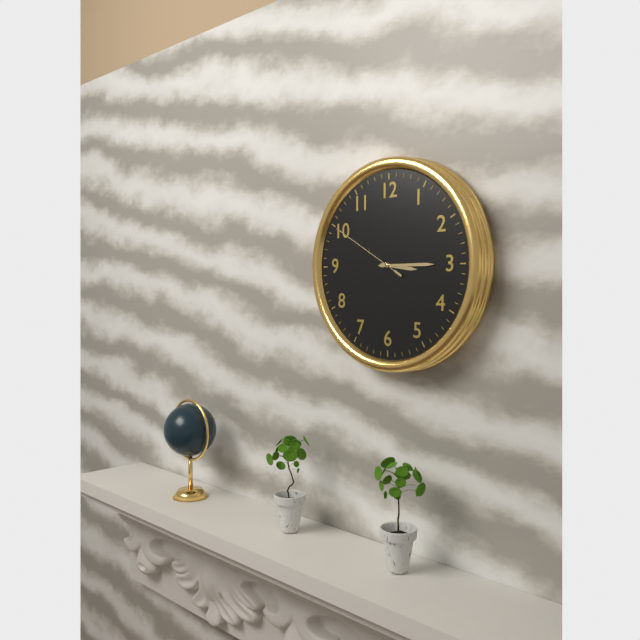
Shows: h=3 m=15 s=50
